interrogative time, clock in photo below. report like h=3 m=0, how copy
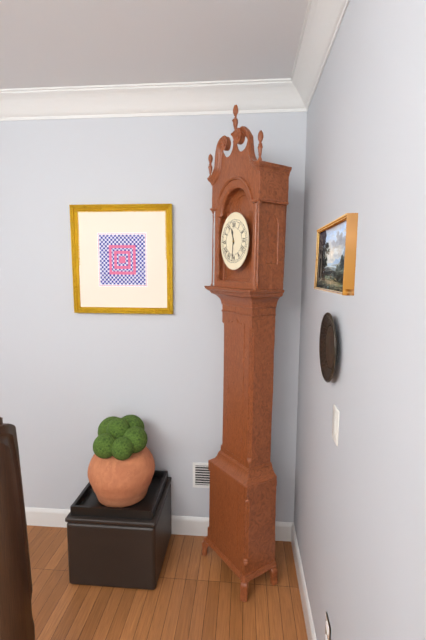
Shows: h=11 m=31
